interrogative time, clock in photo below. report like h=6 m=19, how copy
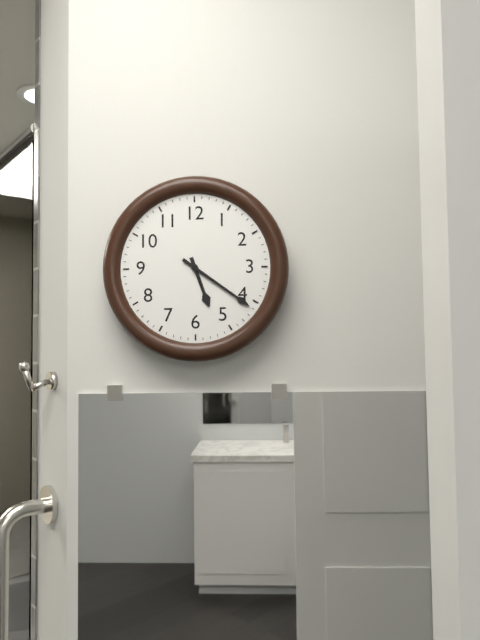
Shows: h=5 m=21
